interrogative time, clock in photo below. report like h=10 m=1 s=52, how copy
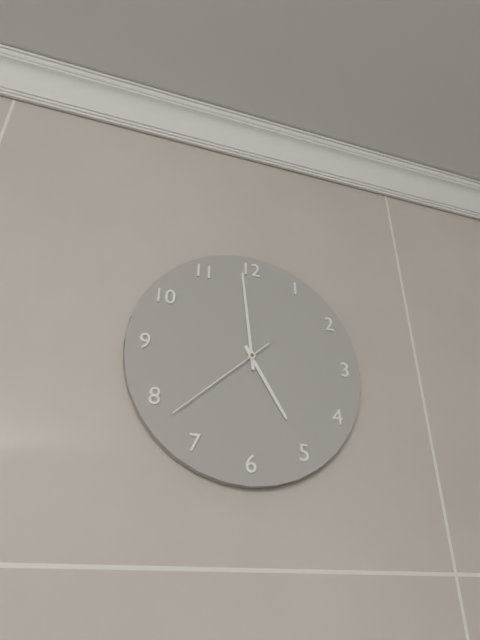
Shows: h=4 m=59 s=38
